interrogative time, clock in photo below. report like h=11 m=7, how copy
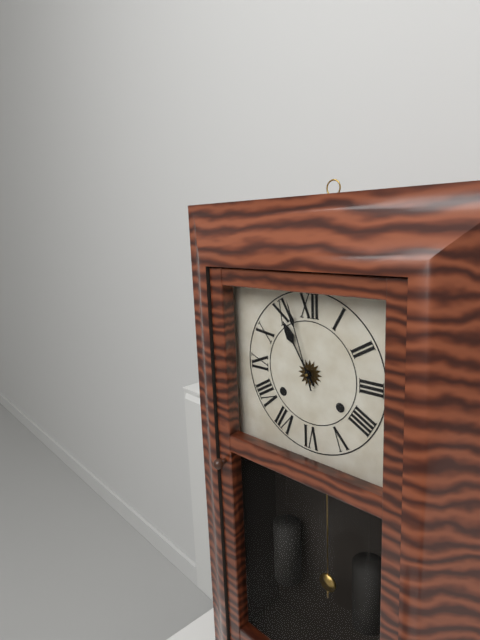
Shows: h=10 m=57
